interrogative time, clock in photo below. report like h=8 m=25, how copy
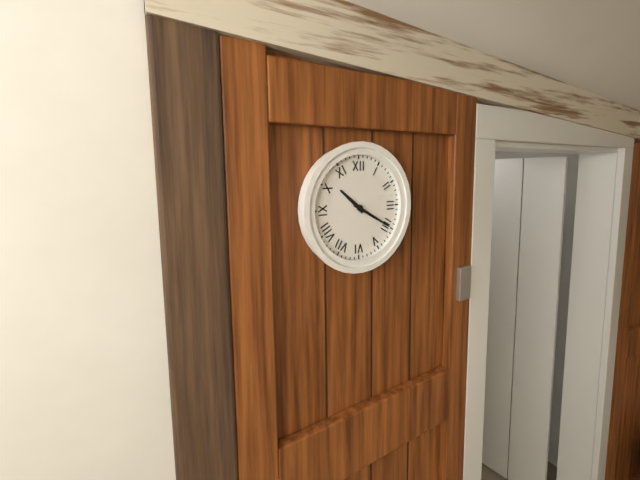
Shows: h=10 m=20
